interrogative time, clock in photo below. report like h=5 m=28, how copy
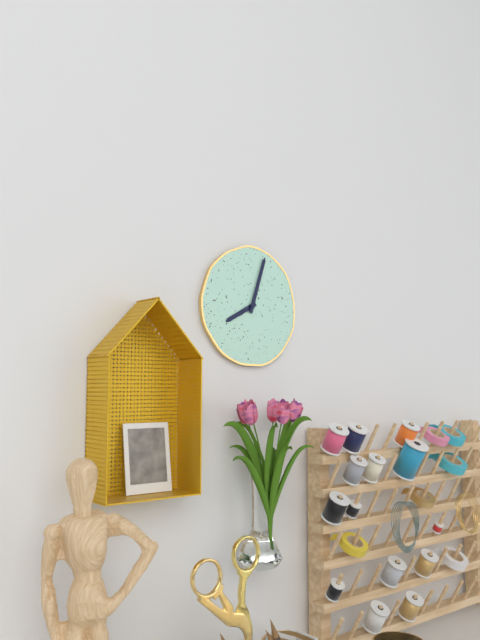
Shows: h=8 m=3
